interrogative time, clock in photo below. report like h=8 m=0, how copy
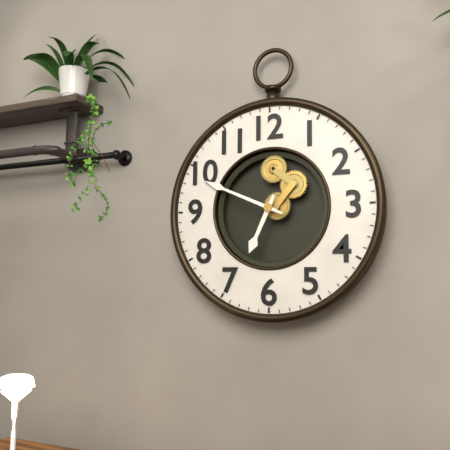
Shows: h=6 m=49
